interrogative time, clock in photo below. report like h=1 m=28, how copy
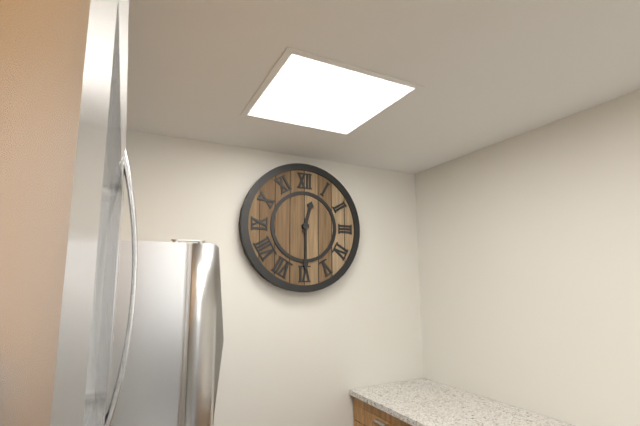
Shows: h=12 m=30
